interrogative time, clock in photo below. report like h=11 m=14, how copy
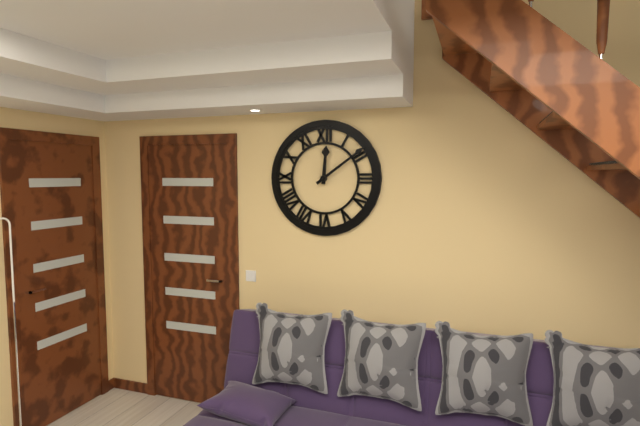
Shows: h=12 m=9
